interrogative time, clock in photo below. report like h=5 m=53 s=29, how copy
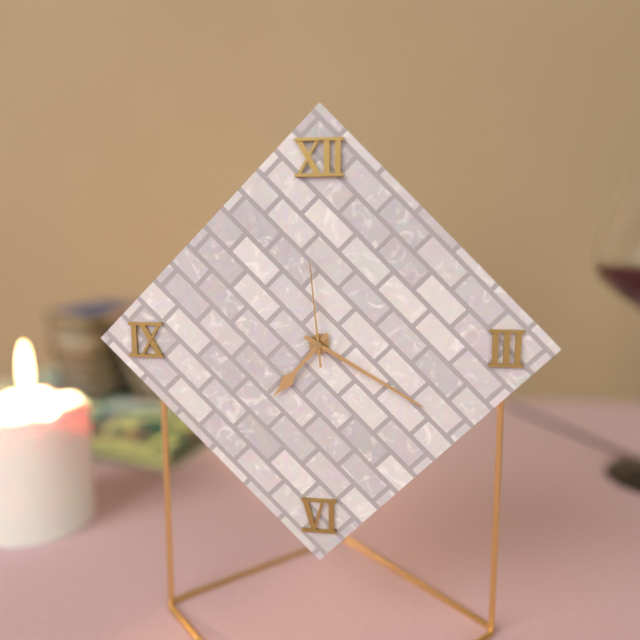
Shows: h=7 m=20 s=59
